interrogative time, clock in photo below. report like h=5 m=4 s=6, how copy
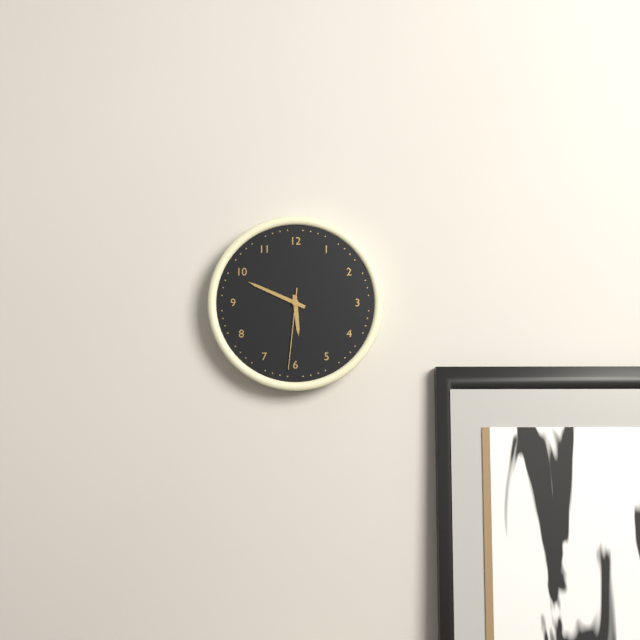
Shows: h=5 m=49 s=31
